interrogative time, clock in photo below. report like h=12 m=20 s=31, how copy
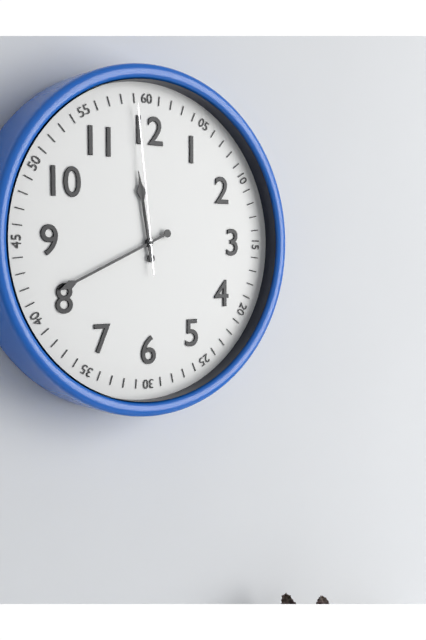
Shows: h=11 m=41 s=59
